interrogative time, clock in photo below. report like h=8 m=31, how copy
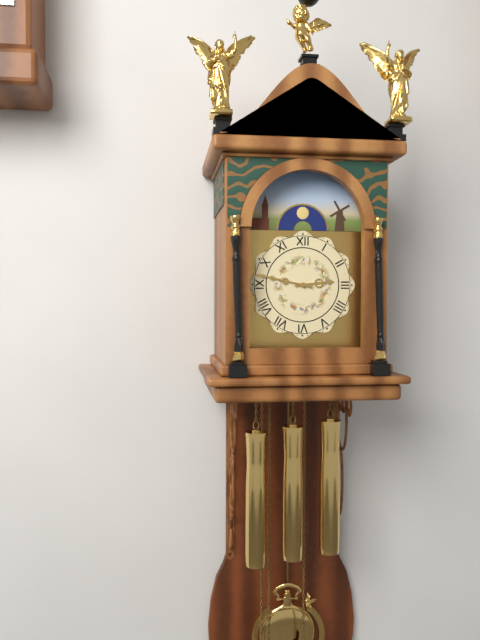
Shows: h=2 m=47
